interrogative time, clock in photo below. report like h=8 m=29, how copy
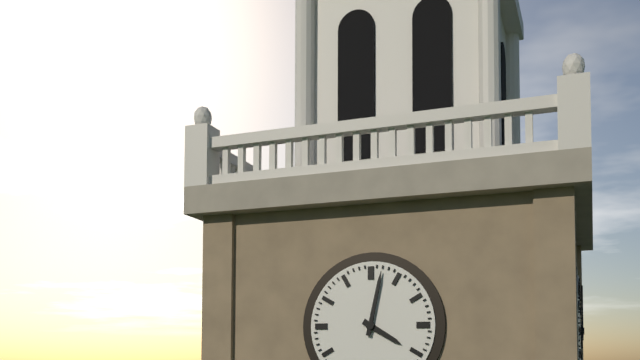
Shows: h=4 m=2
